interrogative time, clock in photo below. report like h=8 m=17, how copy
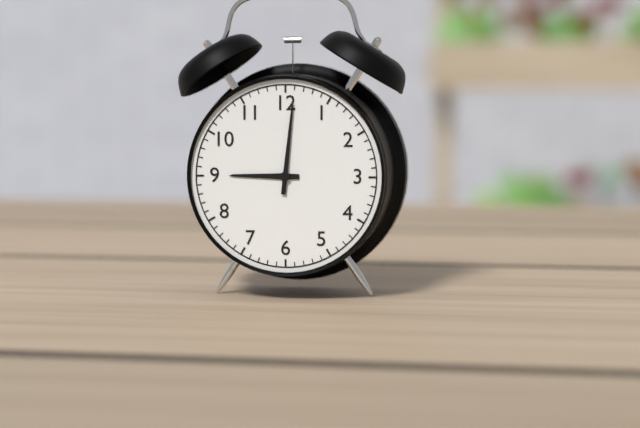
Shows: h=9 m=1
